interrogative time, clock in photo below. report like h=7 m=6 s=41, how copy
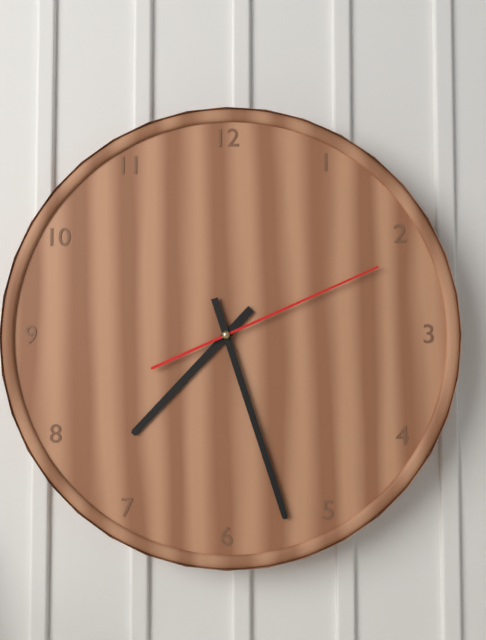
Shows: h=7 m=27 s=11
